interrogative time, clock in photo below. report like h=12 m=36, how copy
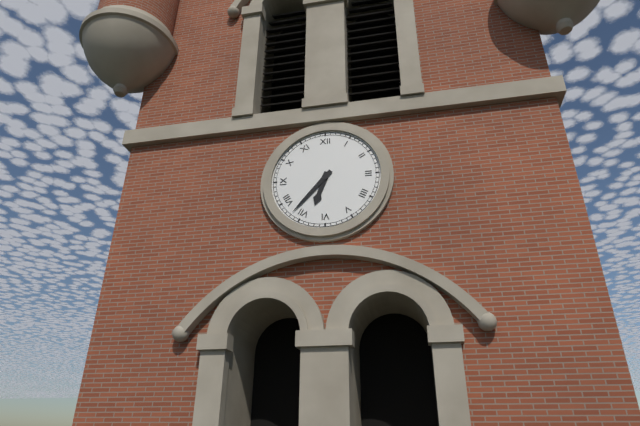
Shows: h=6 m=37
